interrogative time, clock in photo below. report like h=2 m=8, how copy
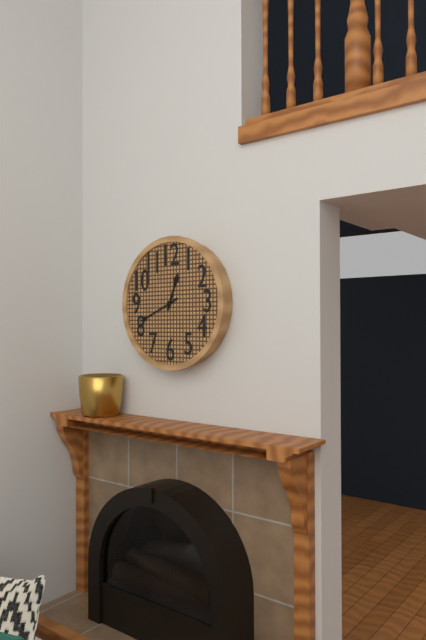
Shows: h=12 m=41
